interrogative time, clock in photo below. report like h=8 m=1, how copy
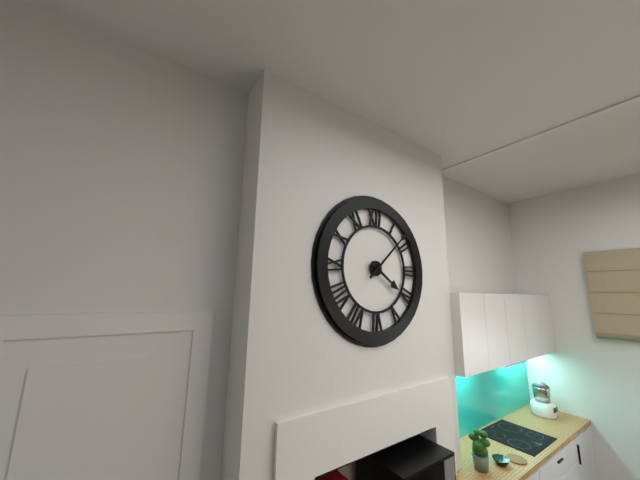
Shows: h=4 m=8
